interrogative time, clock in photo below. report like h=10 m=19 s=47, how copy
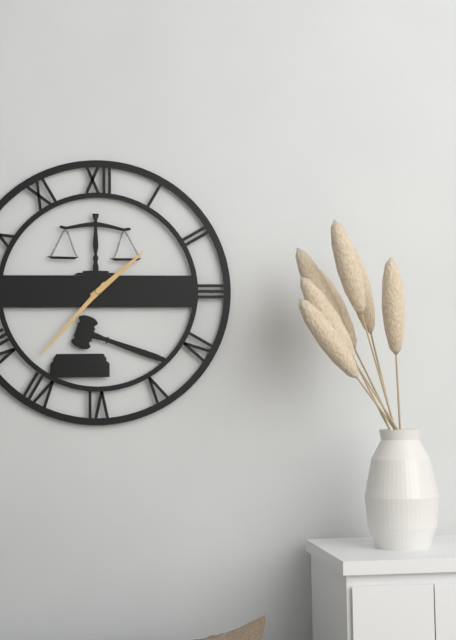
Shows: h=1 m=37 s=8
